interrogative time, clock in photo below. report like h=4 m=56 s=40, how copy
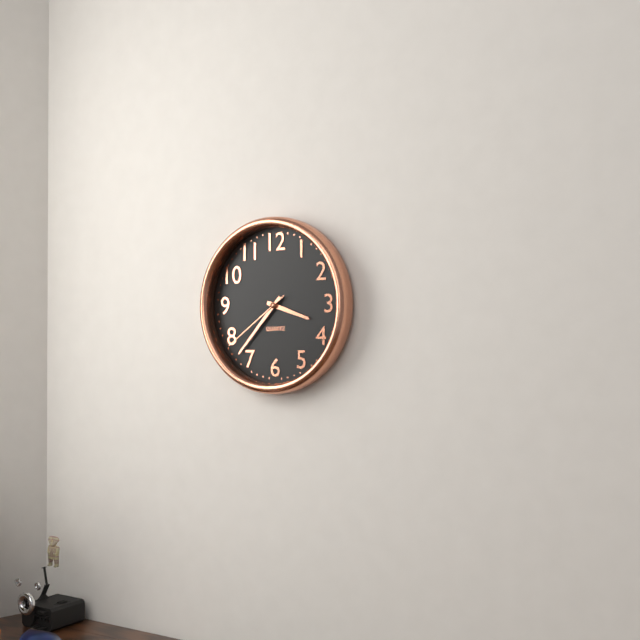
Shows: h=3 m=37 s=39
